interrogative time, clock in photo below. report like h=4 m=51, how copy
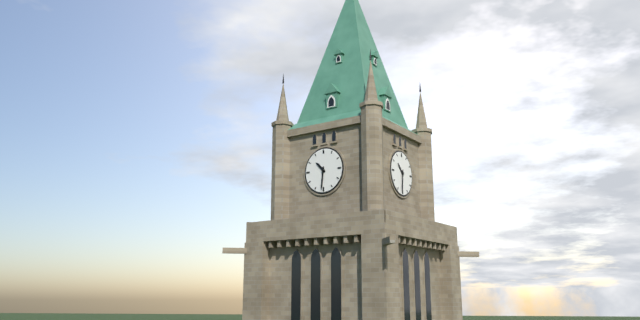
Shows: h=10 m=31
